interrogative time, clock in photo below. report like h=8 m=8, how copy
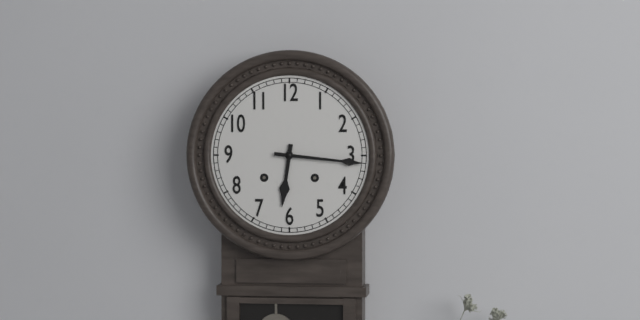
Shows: h=6 m=16
